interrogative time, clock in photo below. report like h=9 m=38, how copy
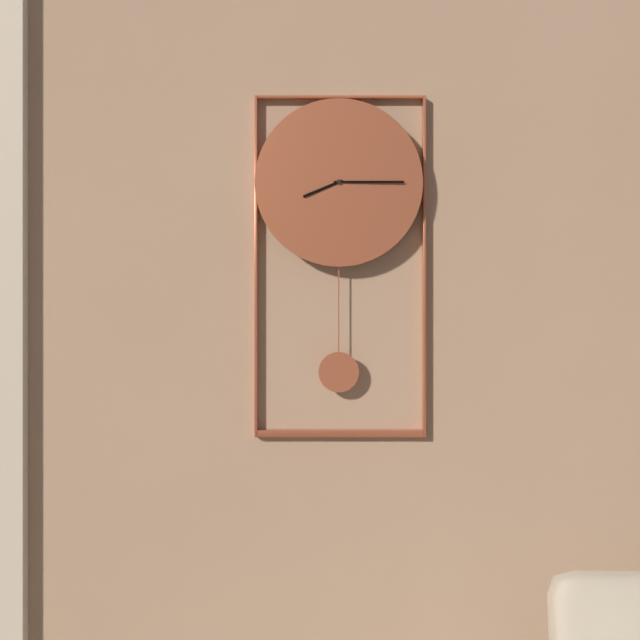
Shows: h=8 m=15
